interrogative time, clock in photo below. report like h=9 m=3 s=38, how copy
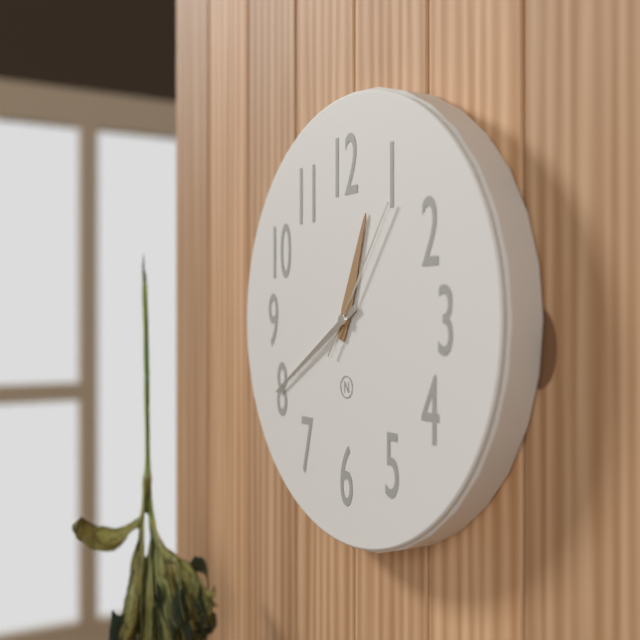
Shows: h=12 m=40 s=6
